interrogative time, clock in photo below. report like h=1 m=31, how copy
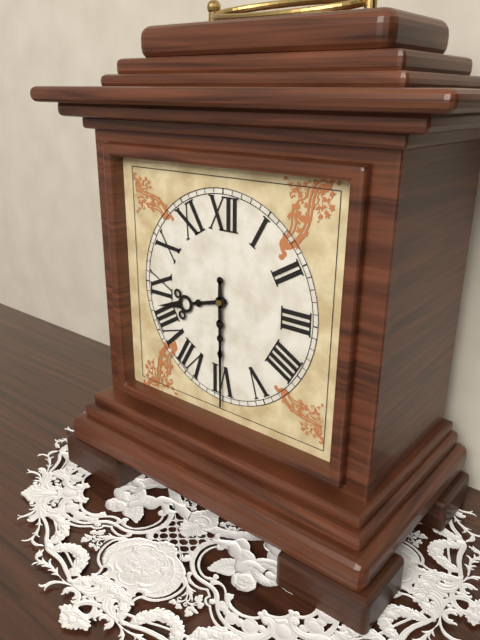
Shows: h=8 m=30
